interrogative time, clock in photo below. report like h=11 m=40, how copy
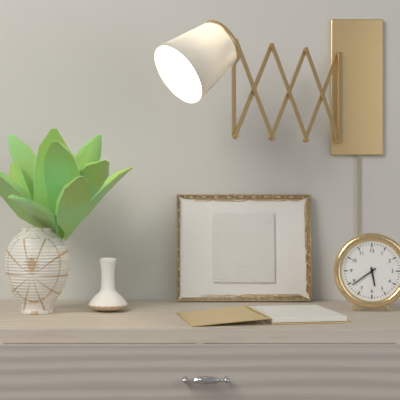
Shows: h=5 m=39
